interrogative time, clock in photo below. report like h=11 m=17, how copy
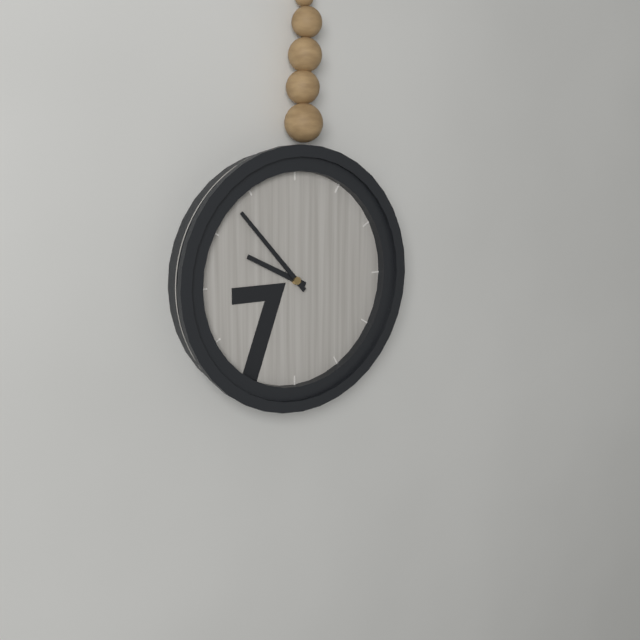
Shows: h=9 m=53
